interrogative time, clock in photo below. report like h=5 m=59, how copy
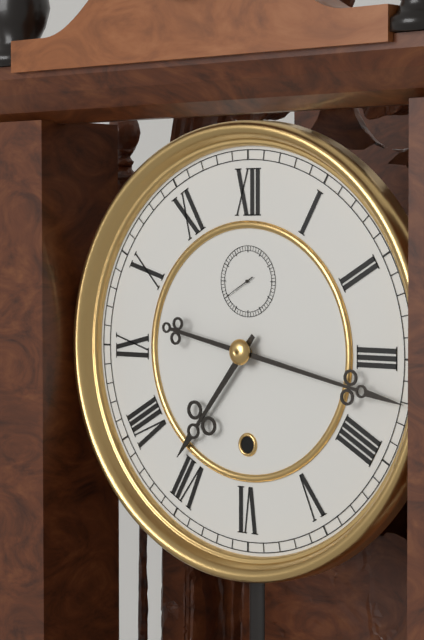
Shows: h=7 m=17
